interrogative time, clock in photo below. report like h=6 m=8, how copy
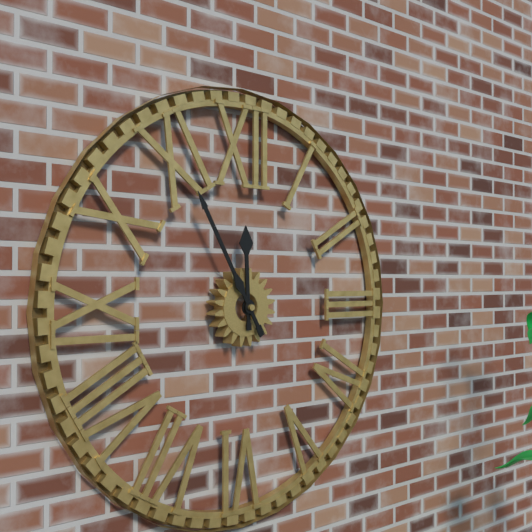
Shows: h=11 m=55
